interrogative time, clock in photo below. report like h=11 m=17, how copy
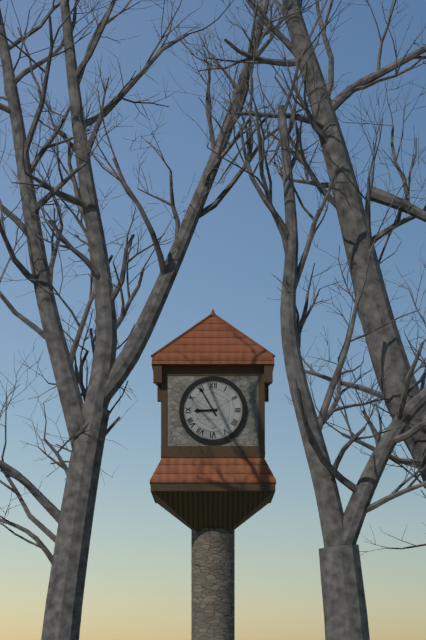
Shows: h=8 m=55
